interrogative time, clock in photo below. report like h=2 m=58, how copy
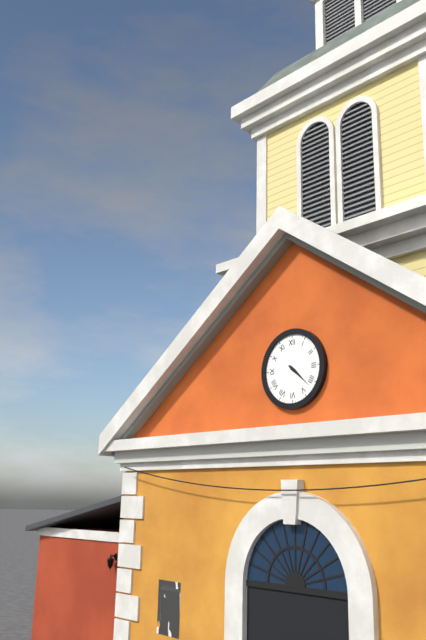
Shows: h=4 m=22
